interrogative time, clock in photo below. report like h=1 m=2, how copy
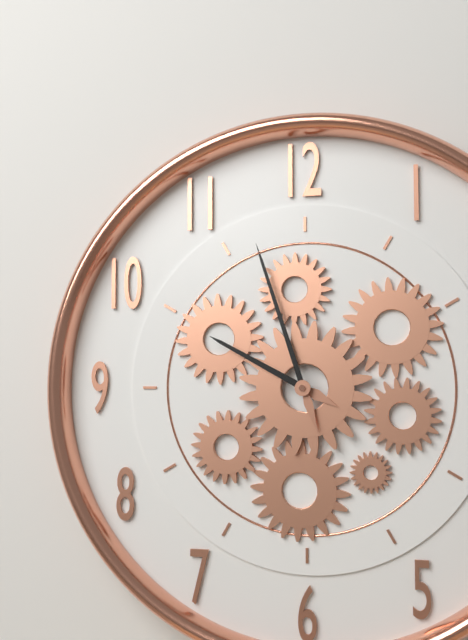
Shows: h=9 m=57
